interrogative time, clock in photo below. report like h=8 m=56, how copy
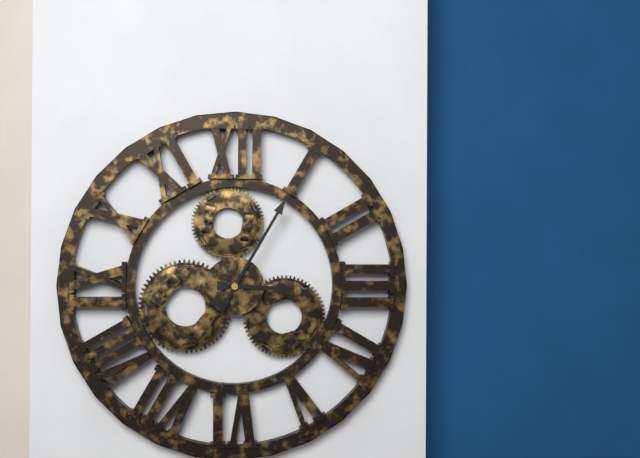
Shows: h=3 m=5
